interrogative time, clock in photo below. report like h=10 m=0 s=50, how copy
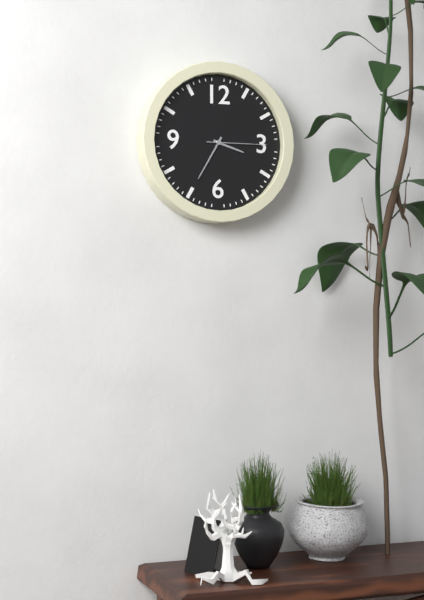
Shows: h=3 m=35 s=15
